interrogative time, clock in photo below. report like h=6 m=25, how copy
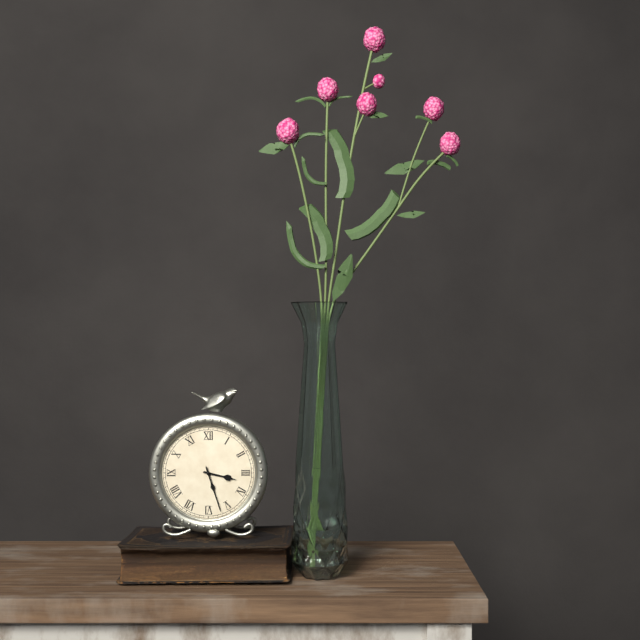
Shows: h=3 m=27
